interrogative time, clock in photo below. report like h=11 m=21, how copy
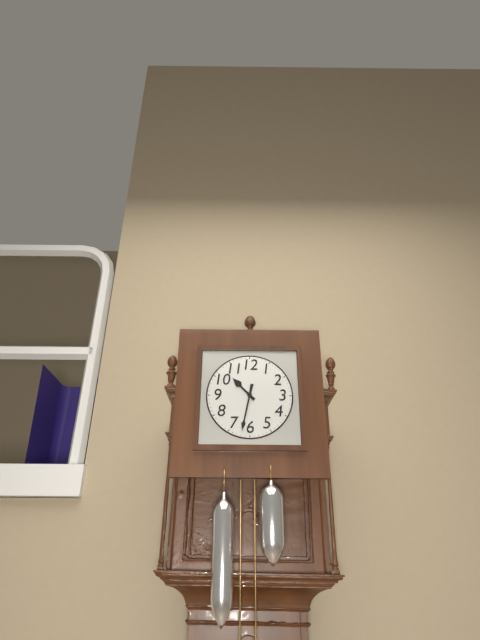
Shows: h=10 m=32
